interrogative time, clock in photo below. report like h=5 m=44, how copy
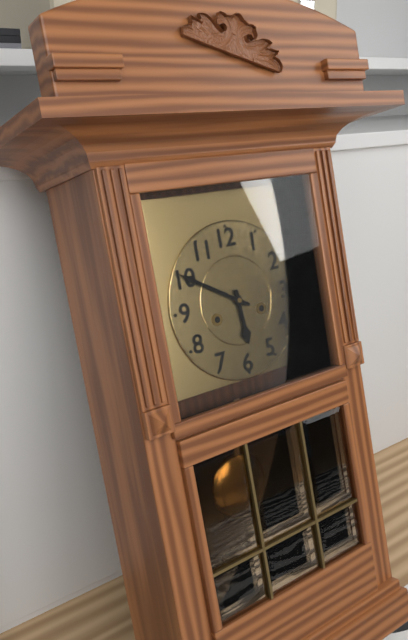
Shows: h=5 m=50
